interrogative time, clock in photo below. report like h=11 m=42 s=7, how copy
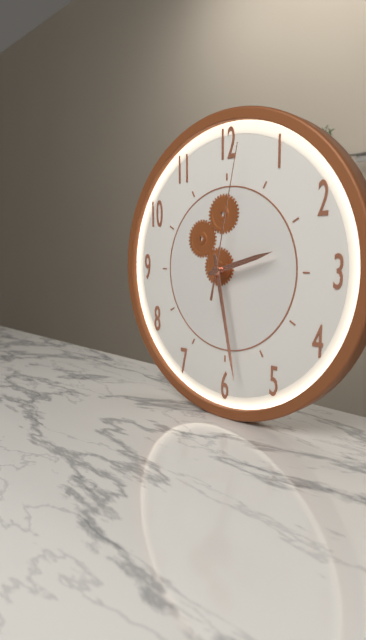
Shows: h=2 m=28 s=2
